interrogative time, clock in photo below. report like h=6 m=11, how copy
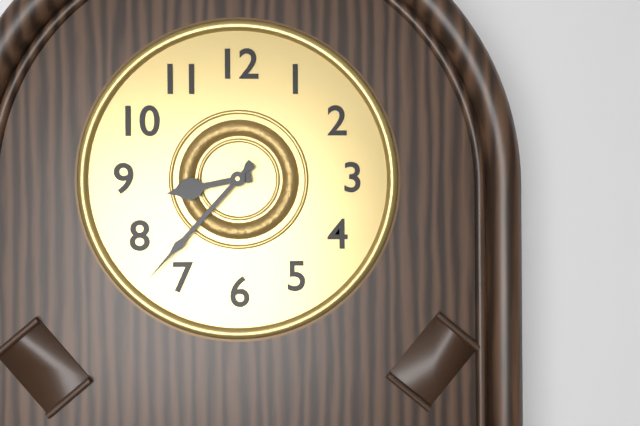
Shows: h=8 m=37
